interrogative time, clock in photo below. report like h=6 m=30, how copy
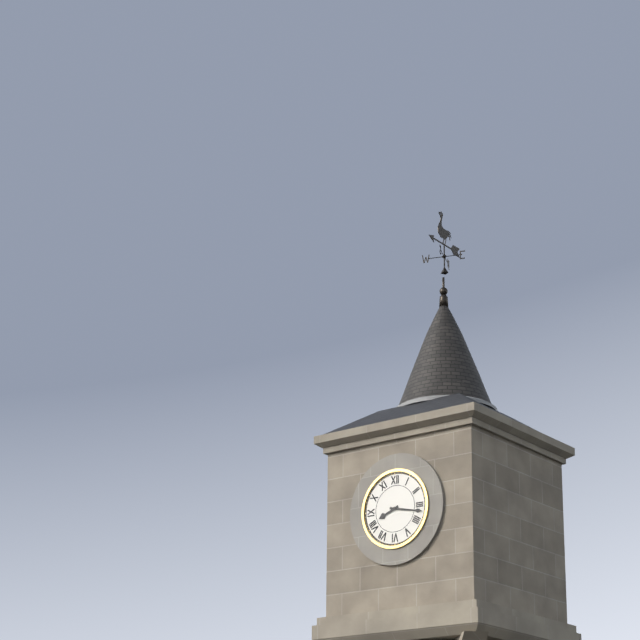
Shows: h=8 m=17
